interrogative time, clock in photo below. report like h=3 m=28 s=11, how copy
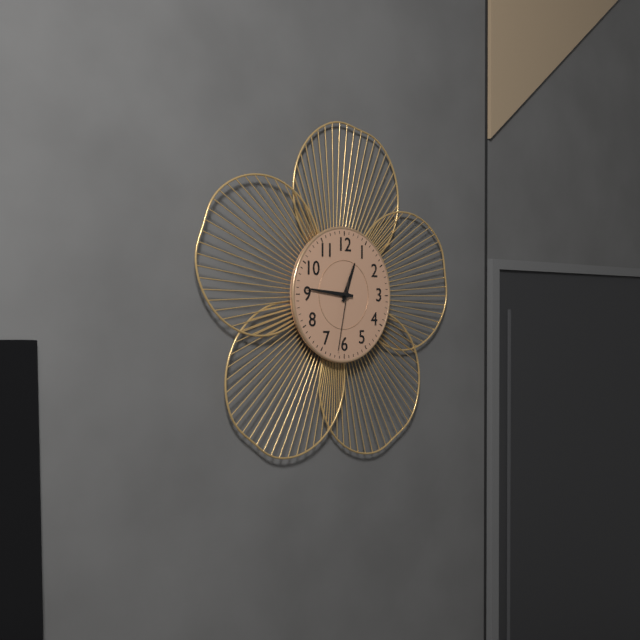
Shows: h=12 m=46 s=32
